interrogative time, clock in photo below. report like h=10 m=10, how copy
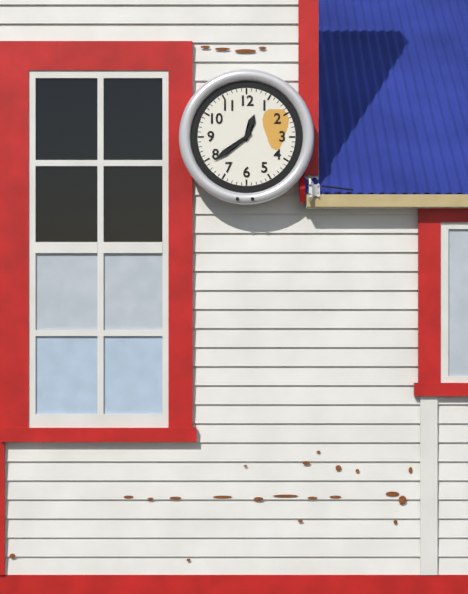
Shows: h=12 m=39
